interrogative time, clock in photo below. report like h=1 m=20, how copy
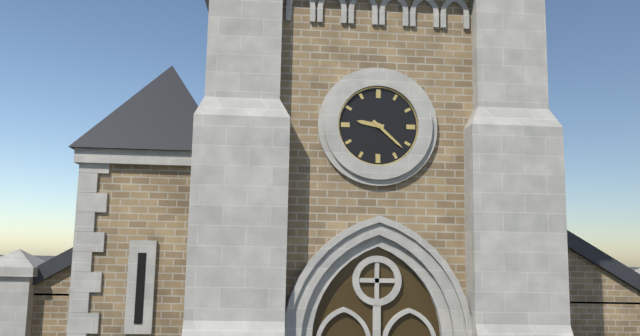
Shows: h=9 m=22
